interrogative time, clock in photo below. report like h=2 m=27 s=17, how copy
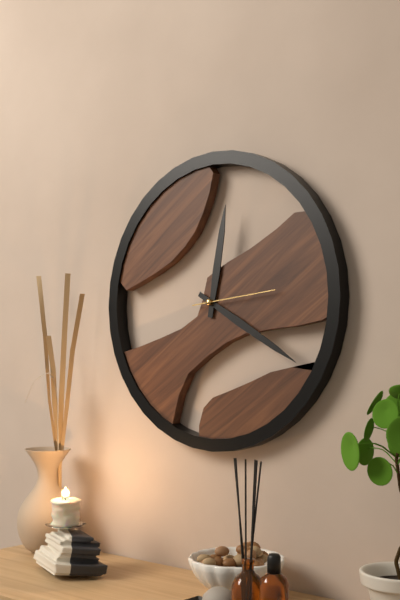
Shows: h=12 m=20 s=14
